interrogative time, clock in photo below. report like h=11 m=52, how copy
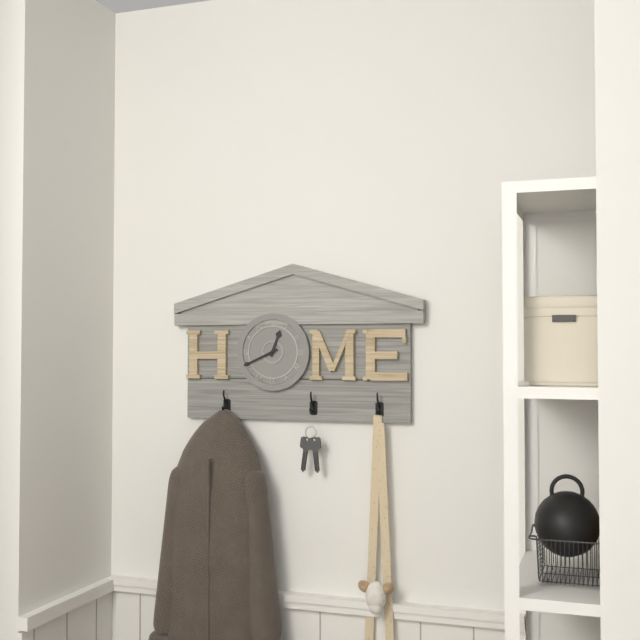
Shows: h=12 m=41
